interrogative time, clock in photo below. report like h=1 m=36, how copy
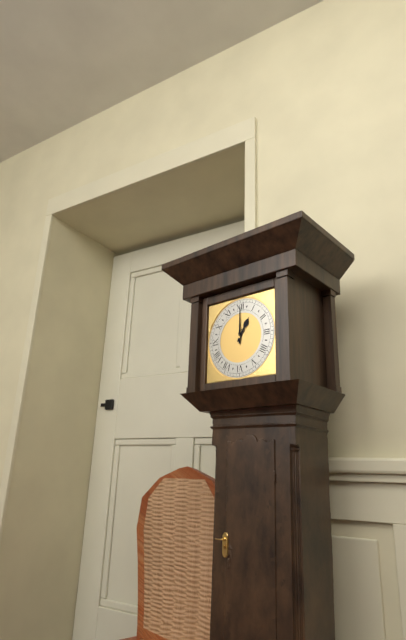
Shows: h=1 m=0
